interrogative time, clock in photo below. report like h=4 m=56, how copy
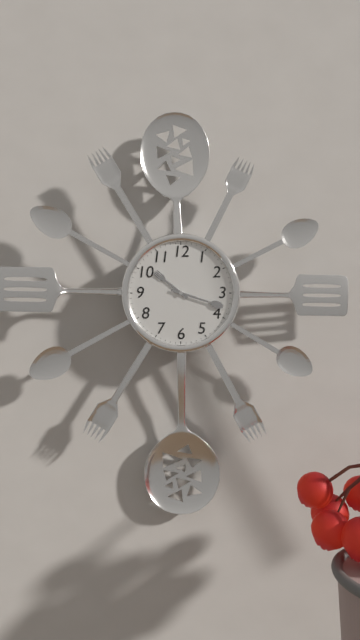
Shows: h=10 m=18
